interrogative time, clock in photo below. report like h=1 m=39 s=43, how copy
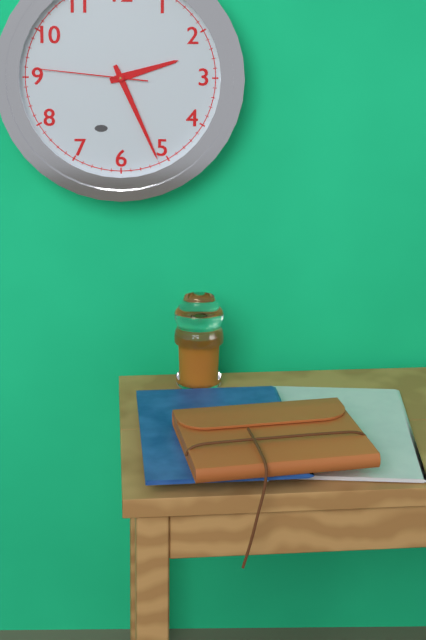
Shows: h=2 m=26 s=46
